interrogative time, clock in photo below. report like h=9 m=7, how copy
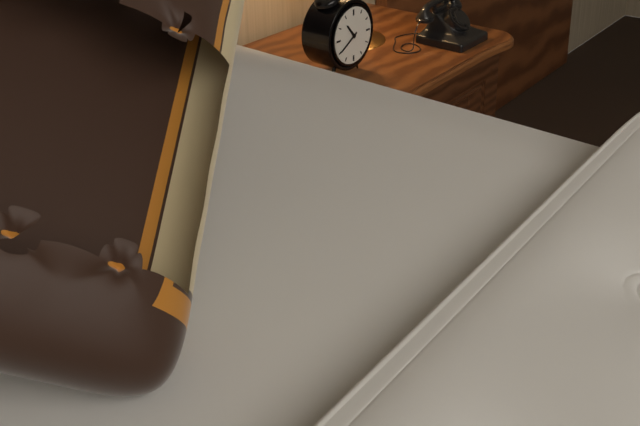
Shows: h=10 m=40
